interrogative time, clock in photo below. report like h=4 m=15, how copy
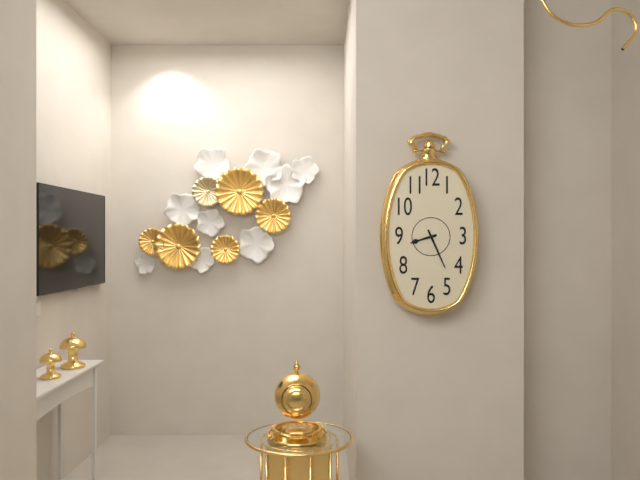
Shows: h=8 m=26
